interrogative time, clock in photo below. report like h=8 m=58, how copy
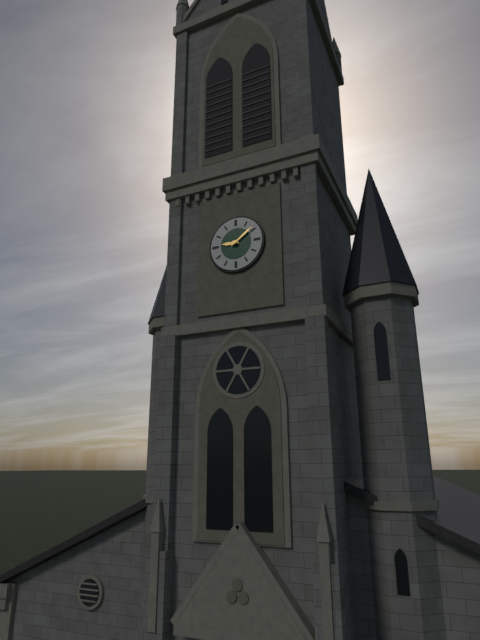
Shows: h=9 m=9
